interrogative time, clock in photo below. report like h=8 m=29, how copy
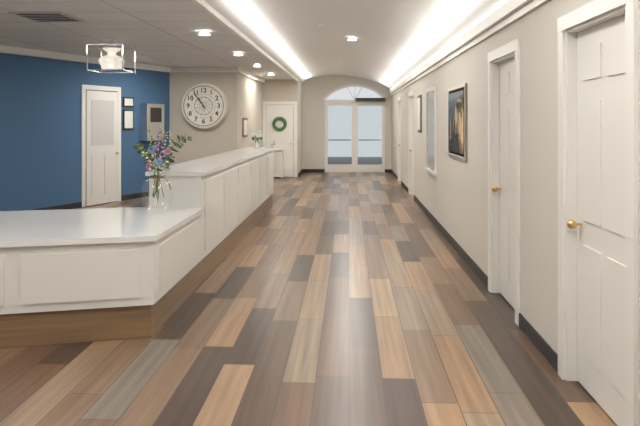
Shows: h=10 m=54
